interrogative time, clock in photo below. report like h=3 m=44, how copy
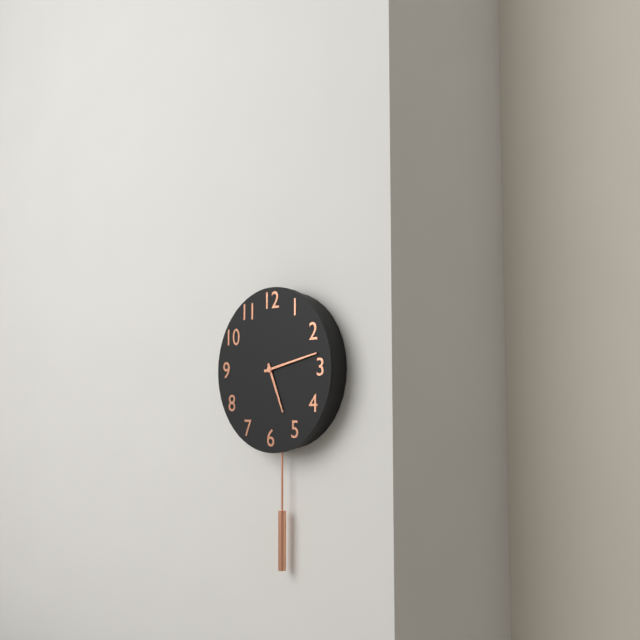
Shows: h=5 m=13
